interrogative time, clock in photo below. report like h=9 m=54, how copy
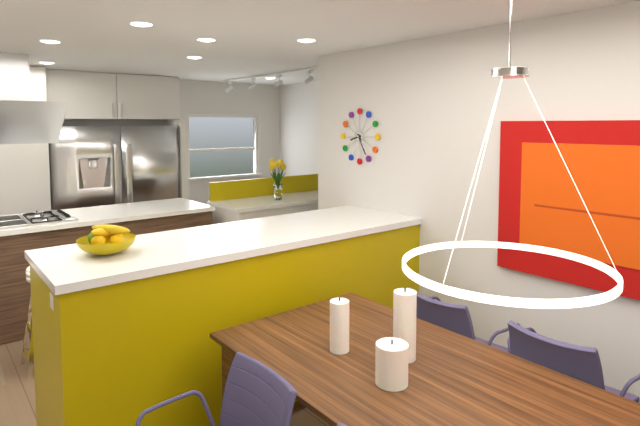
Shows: h=8 m=25
